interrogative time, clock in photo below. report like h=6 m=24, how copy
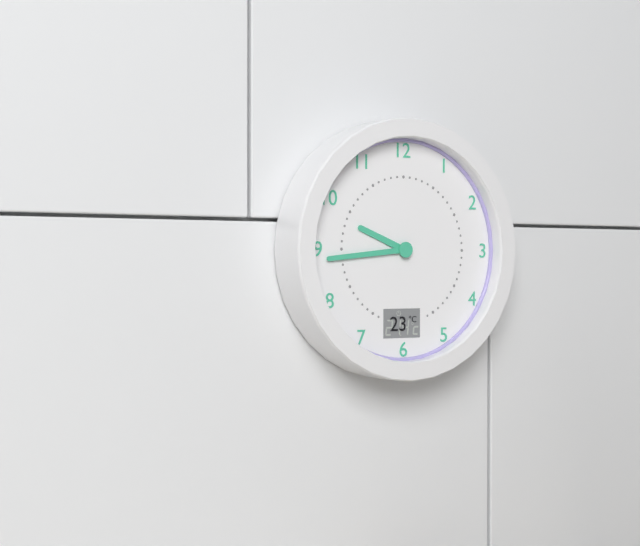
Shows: h=9 m=44
